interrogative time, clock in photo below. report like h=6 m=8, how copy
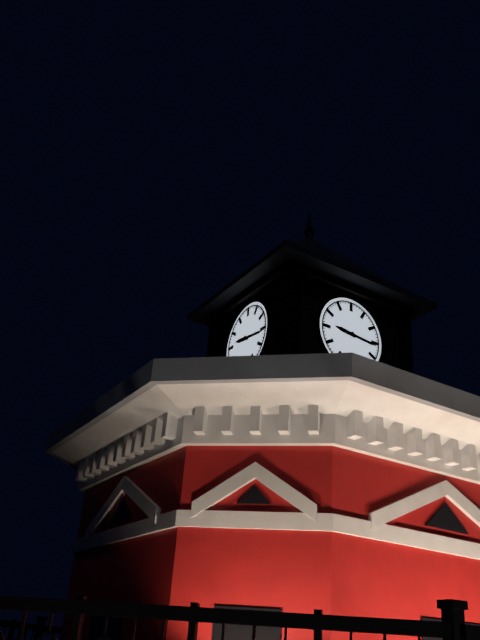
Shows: h=9 m=16
